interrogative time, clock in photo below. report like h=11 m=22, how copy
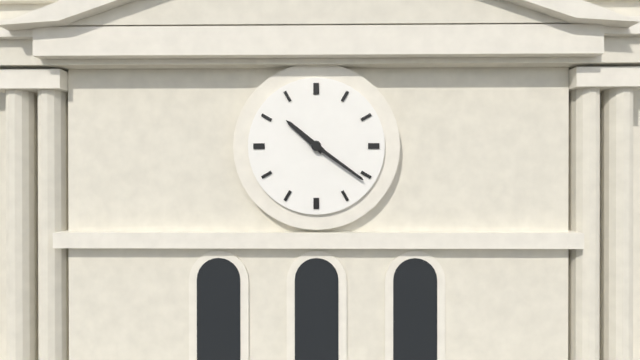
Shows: h=10 m=21
